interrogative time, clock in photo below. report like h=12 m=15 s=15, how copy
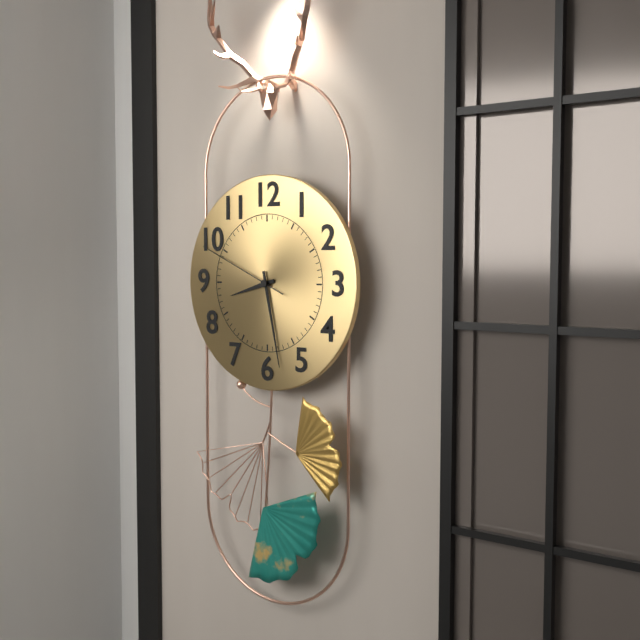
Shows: h=8 m=28 s=49
